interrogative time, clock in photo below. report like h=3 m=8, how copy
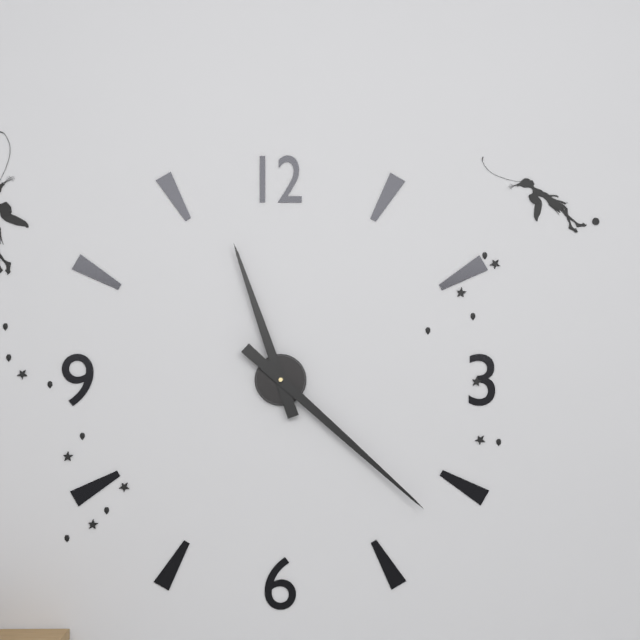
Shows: h=11 m=22
